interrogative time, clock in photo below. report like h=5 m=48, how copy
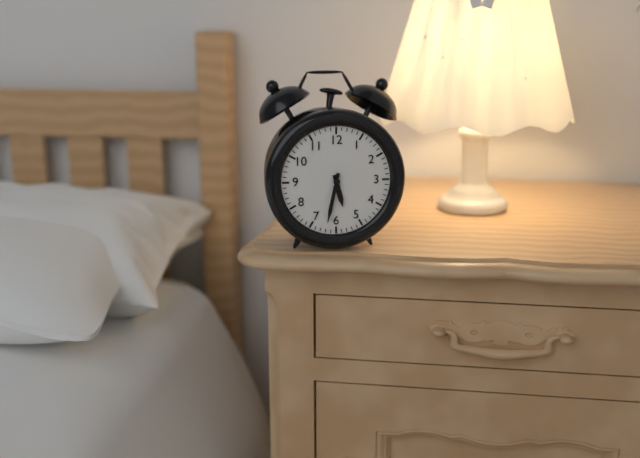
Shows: h=5 m=32
